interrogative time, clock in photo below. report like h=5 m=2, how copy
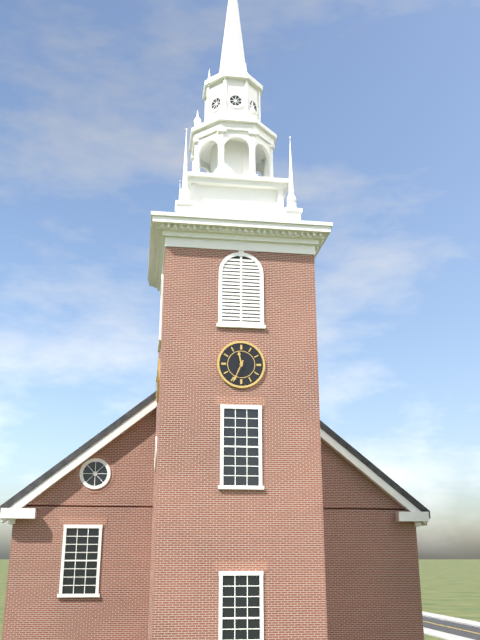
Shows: h=11 m=34
